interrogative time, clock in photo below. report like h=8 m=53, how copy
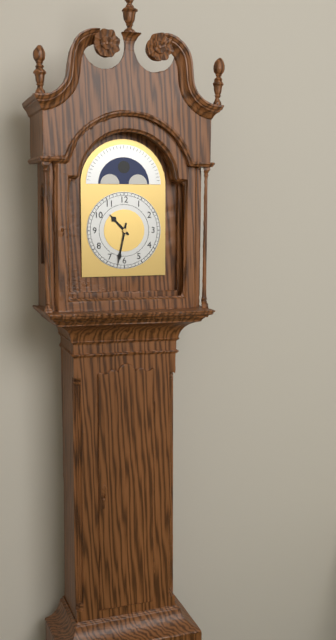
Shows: h=10 m=32
